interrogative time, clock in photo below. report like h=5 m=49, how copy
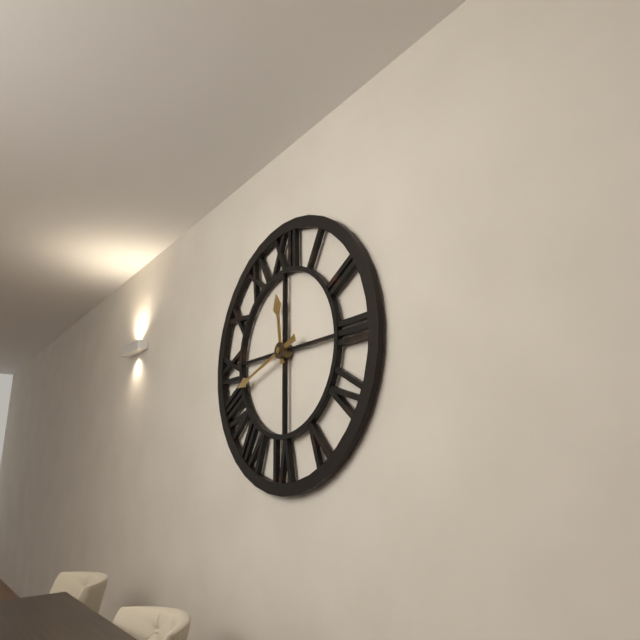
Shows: h=11 m=42
